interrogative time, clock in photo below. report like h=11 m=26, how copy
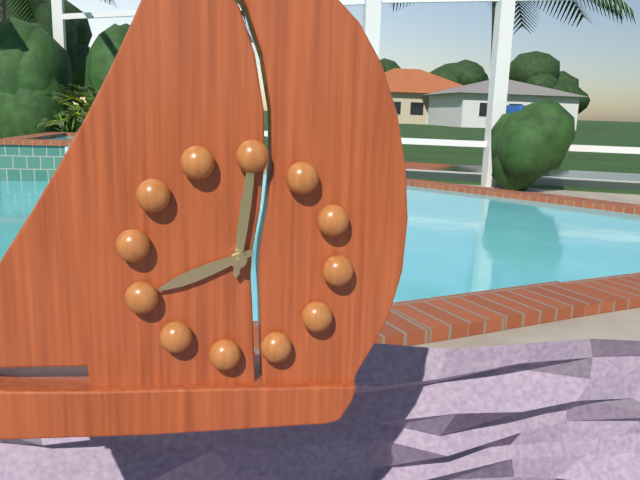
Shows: h=8 m=0
